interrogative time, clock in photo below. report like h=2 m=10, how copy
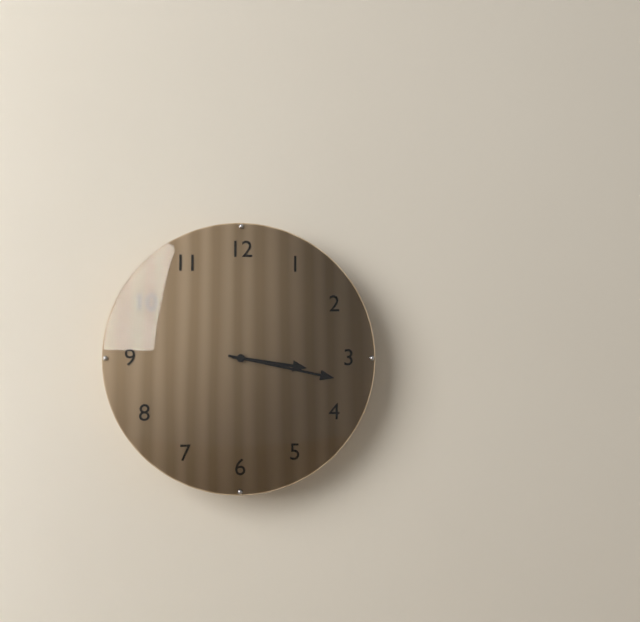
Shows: h=3 m=17
